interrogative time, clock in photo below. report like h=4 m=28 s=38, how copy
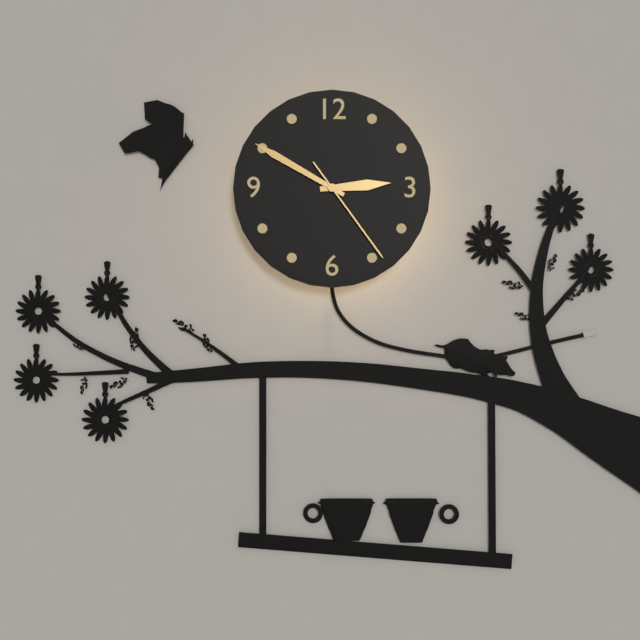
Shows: h=2 m=50 s=24
